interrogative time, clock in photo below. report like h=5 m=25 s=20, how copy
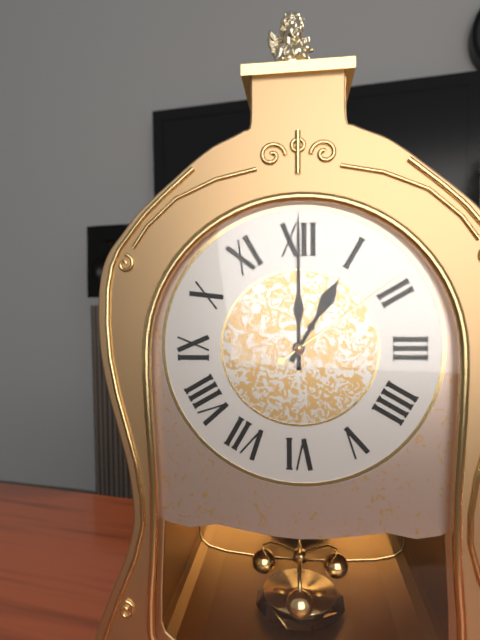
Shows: h=1 m=0 s=9
